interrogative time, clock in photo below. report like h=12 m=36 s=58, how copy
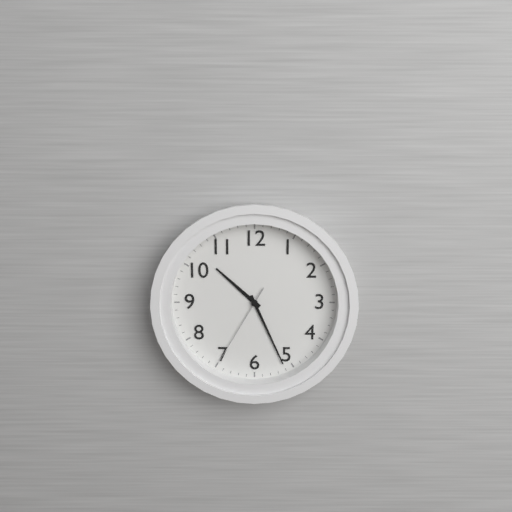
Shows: h=10 m=26 s=35
